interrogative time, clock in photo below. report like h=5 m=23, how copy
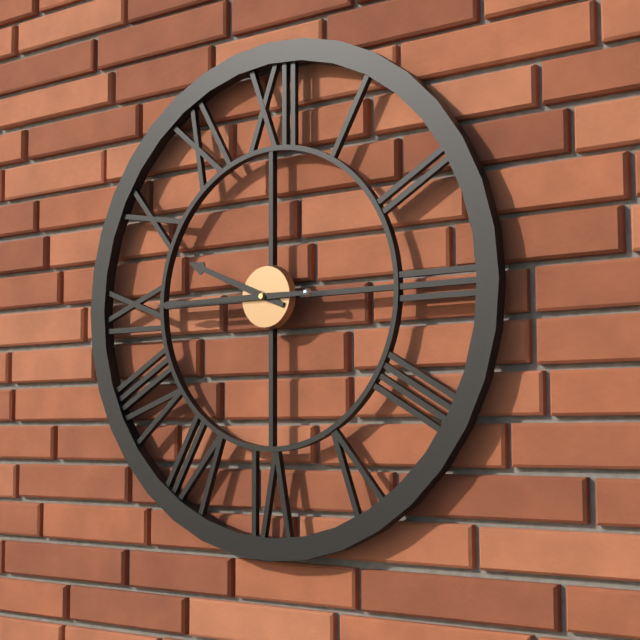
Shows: h=9 m=45
